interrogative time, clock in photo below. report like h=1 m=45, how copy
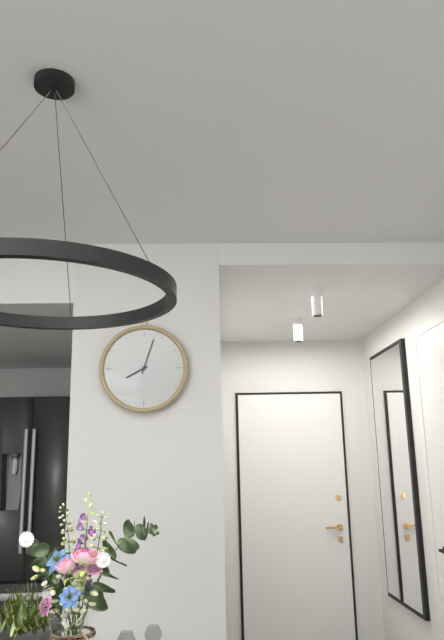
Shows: h=8 m=3
